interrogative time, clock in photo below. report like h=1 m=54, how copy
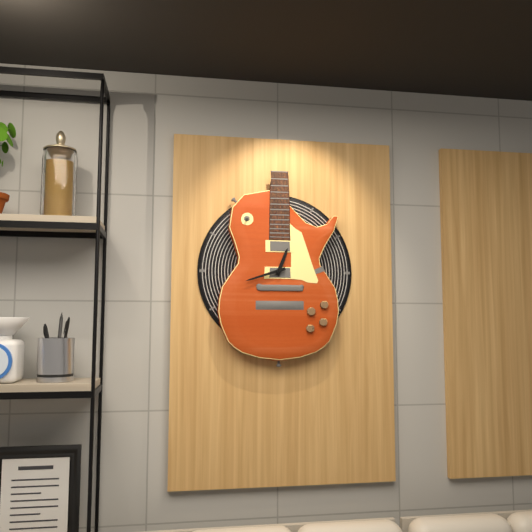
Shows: h=12 m=42
